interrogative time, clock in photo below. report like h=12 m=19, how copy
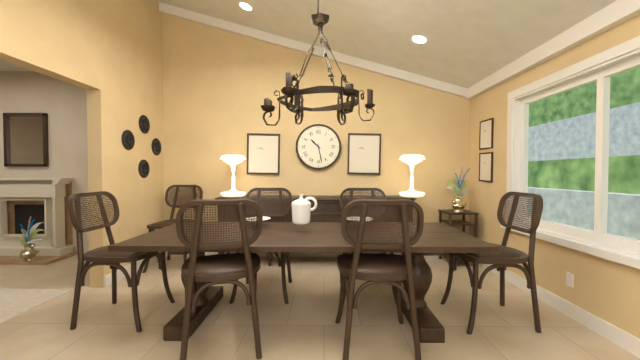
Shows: h=10 m=28
